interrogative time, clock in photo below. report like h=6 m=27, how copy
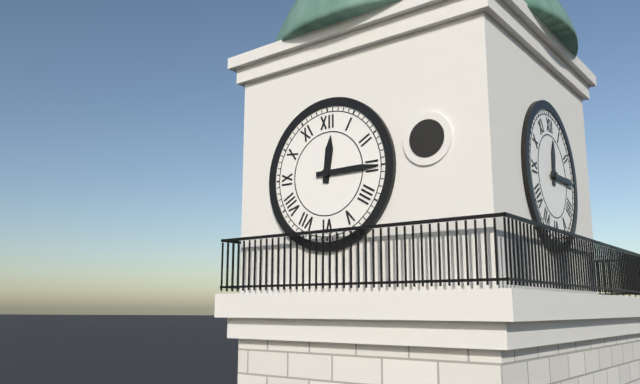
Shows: h=12 m=15
